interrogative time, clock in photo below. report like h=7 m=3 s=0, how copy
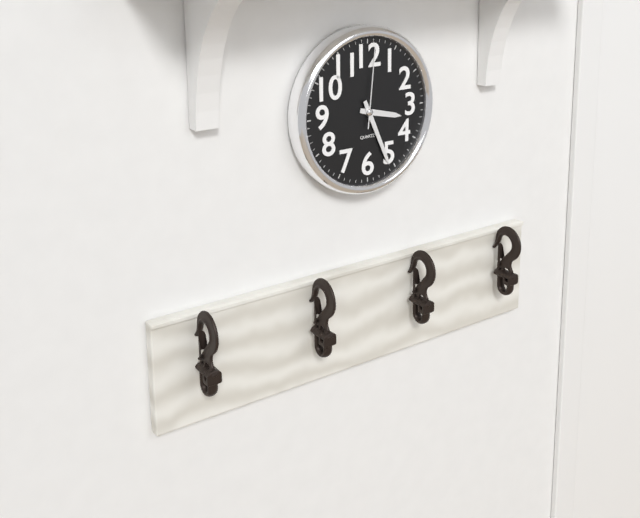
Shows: h=3 m=26 s=1
